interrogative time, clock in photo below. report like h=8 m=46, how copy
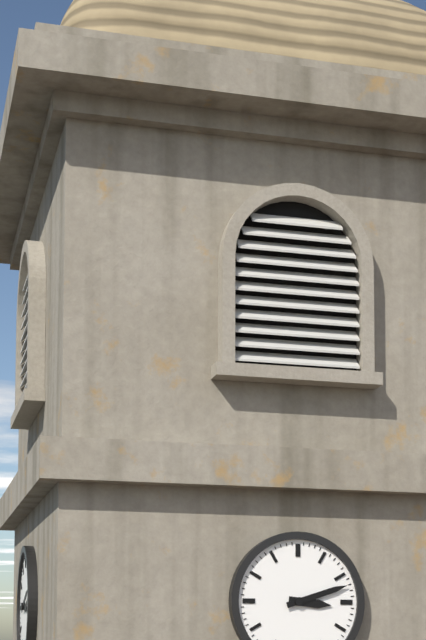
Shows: h=3 m=12
